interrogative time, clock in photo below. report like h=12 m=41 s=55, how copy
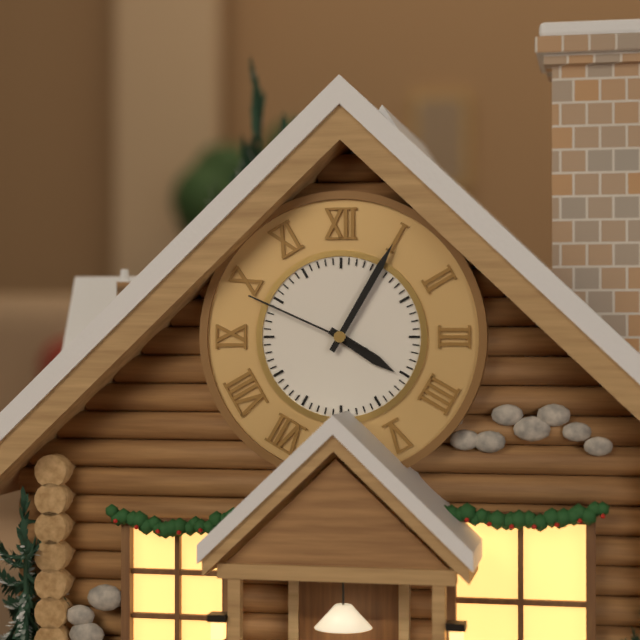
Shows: h=4 m=5 s=49
